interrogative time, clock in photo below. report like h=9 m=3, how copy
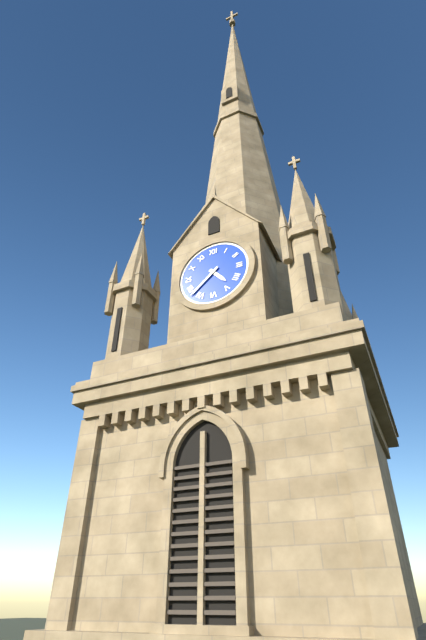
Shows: h=4 m=38
